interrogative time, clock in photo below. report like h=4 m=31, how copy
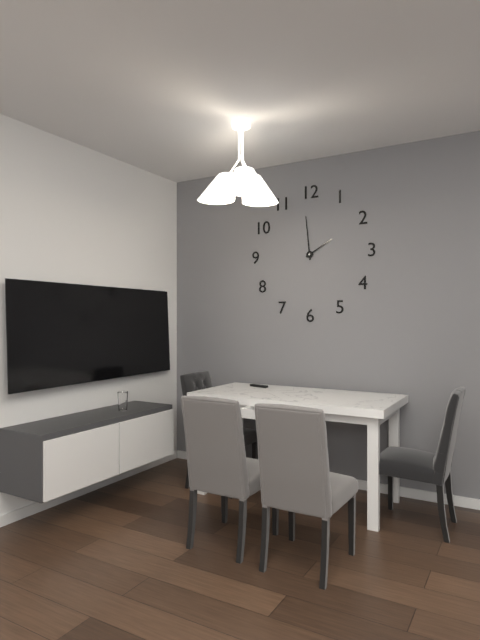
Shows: h=1 m=59
